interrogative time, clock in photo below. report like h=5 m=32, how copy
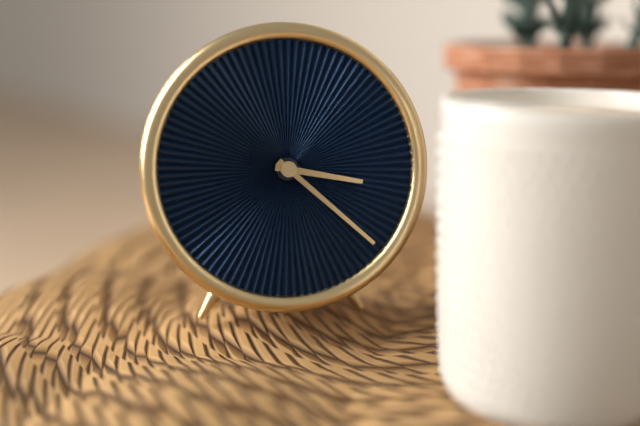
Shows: h=3 m=22
